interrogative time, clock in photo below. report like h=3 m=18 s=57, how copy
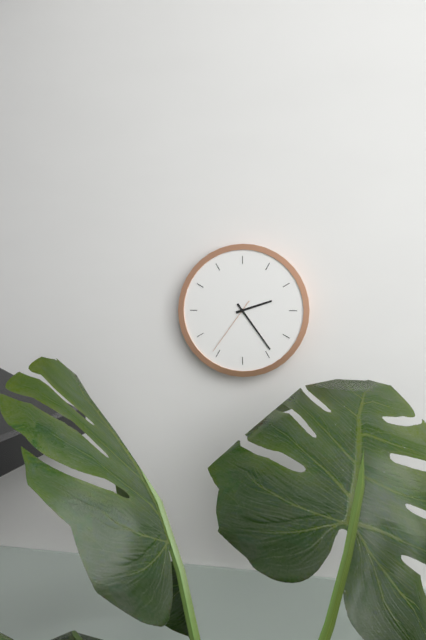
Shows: h=2 m=24 s=36
